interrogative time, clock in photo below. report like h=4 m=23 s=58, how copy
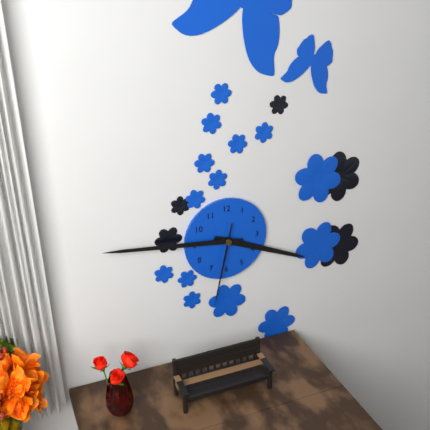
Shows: h=3 m=46 s=32
